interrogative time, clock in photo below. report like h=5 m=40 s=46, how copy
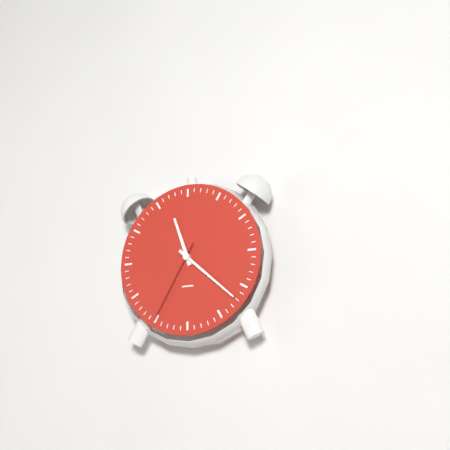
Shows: h=11 m=22 s=35
